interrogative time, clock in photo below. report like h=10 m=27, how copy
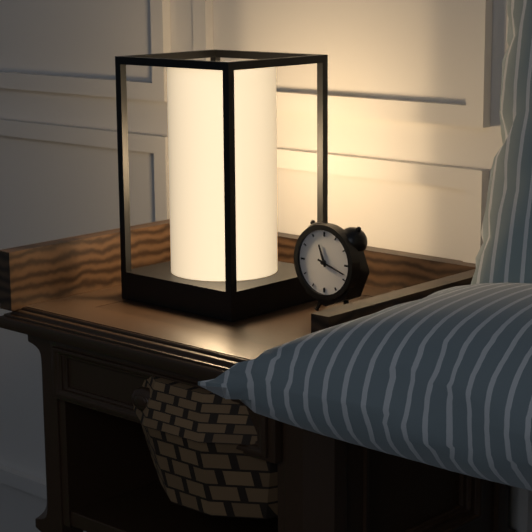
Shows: h=11 m=18
